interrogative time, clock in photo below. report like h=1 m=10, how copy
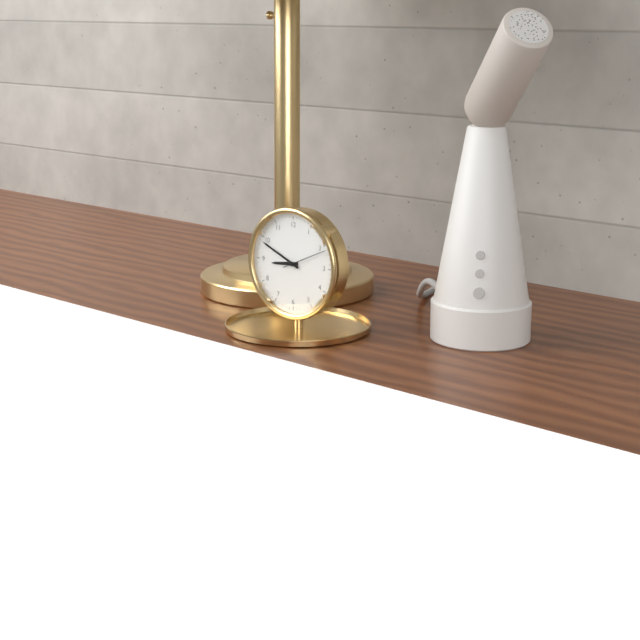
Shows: h=8 m=49
